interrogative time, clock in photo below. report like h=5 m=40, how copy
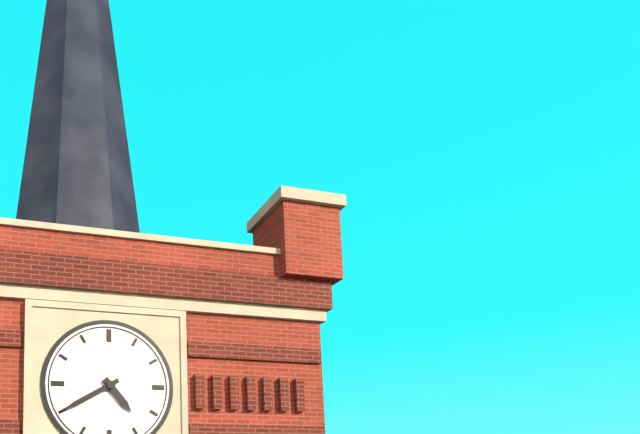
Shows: h=4 m=40
